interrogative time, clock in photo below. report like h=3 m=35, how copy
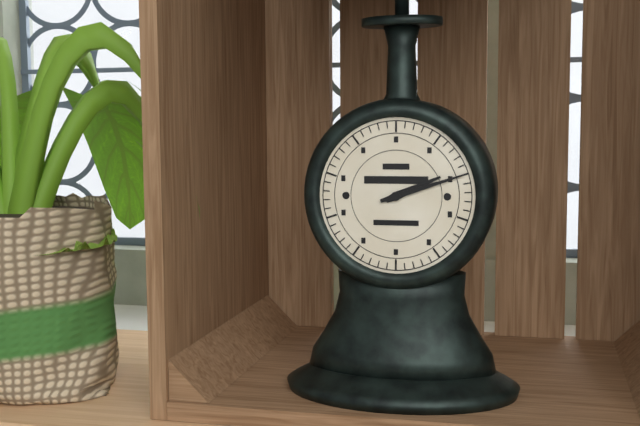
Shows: h=2 m=12
